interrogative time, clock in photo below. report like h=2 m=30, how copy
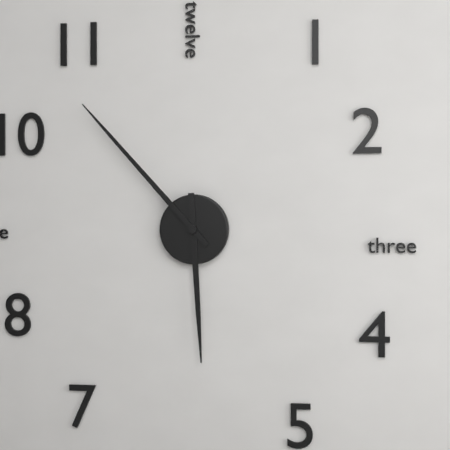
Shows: h=5 m=53
